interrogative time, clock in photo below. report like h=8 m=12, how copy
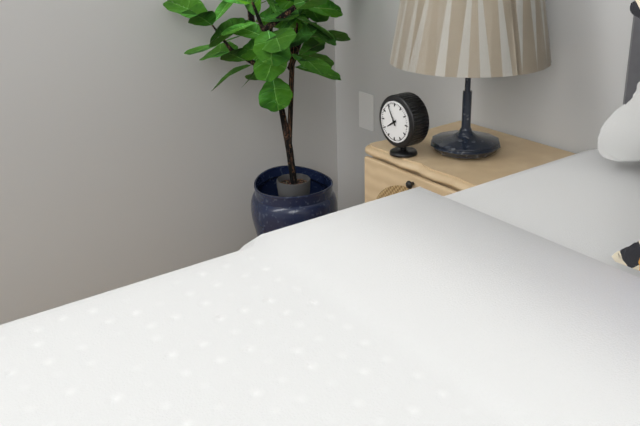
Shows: h=7 m=55
